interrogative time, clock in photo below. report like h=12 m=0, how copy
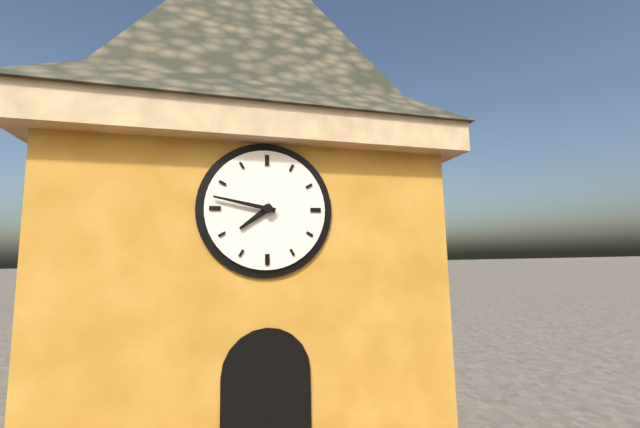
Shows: h=7 m=47
